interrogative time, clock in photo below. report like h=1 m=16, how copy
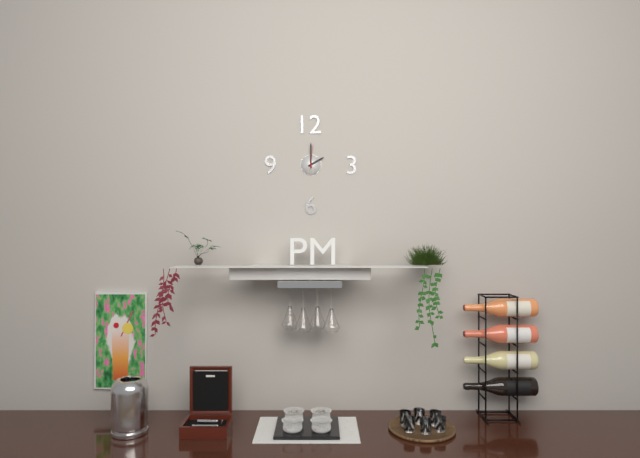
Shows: h=2 m=0
